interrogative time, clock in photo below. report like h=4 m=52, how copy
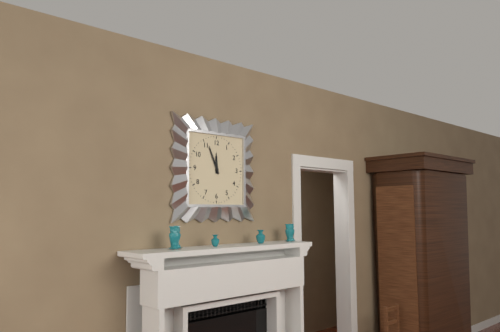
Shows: h=11 m=56
